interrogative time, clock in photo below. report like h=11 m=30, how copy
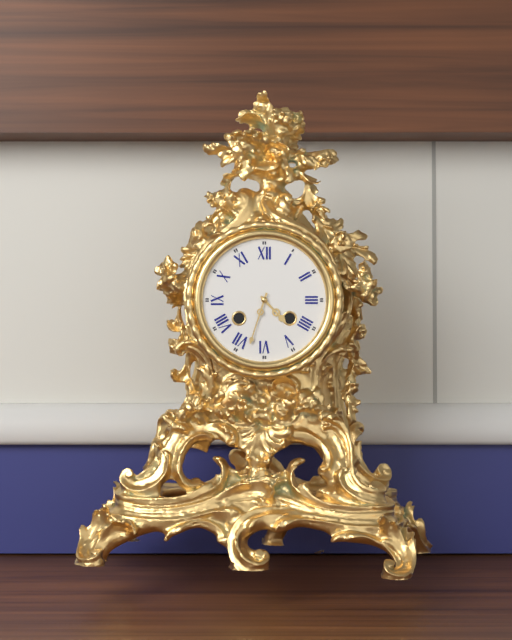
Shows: h=4 m=33
